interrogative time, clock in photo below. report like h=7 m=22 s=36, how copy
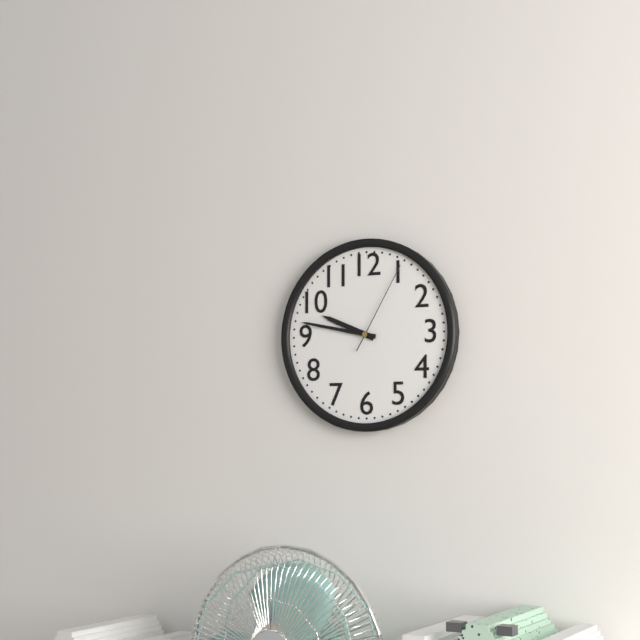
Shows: h=9 m=47 s=5
